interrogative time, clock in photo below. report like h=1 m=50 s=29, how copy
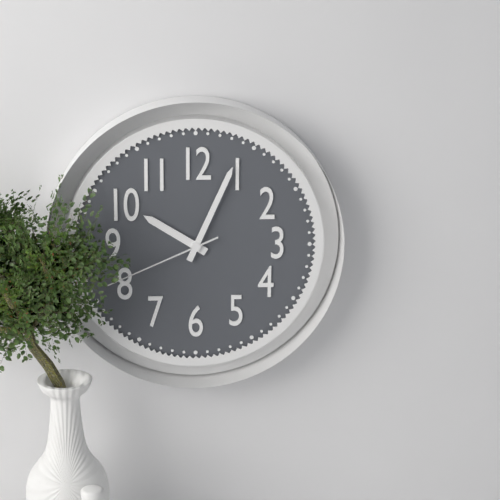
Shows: h=10 m=4 s=41
